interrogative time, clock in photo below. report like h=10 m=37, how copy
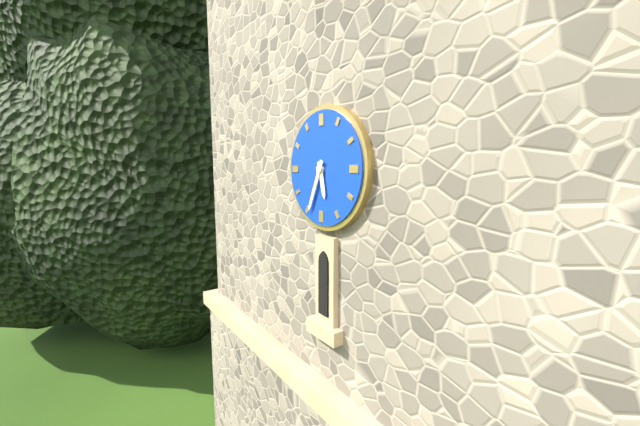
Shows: h=5 m=34
